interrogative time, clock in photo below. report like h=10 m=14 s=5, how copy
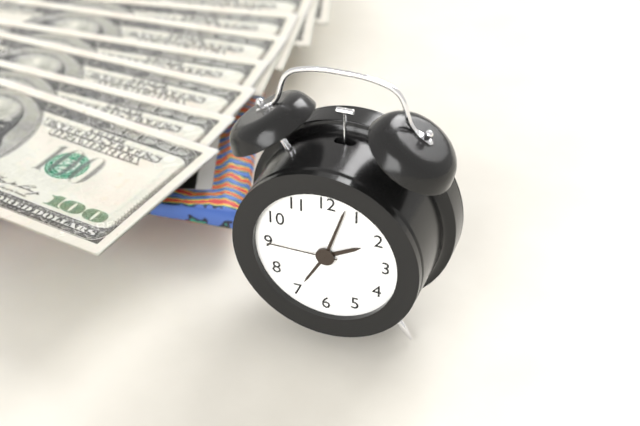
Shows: h=2 m=3 s=45
